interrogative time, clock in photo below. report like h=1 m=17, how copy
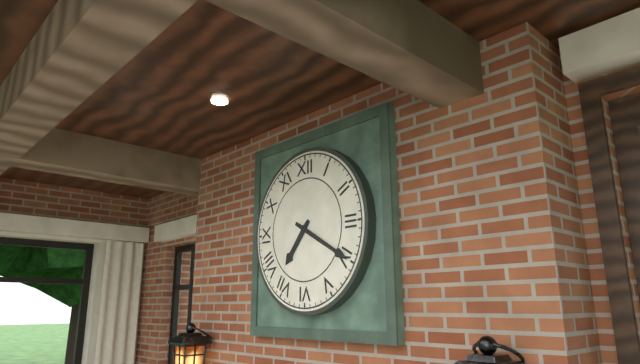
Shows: h=7 m=20
